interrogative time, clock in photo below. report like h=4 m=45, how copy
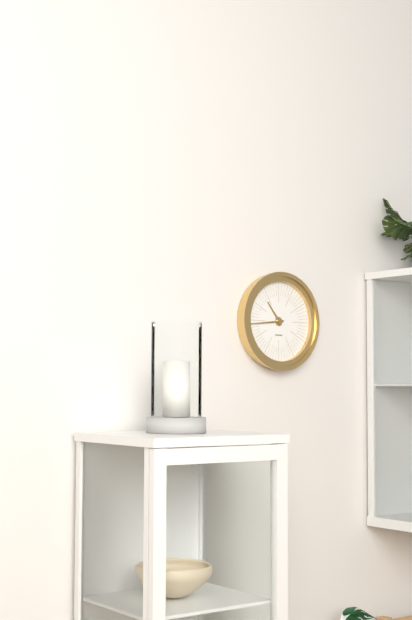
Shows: h=10 m=44
